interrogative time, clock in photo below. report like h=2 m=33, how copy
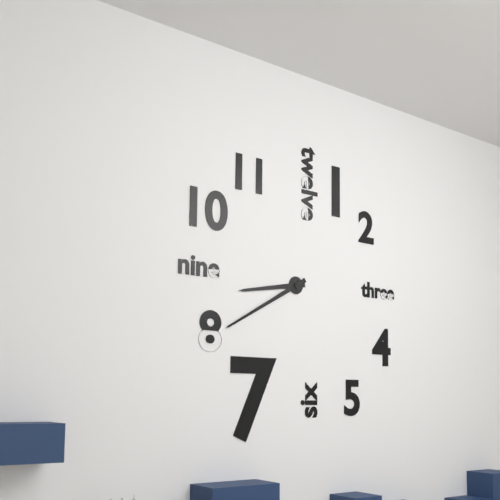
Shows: h=8 m=40
